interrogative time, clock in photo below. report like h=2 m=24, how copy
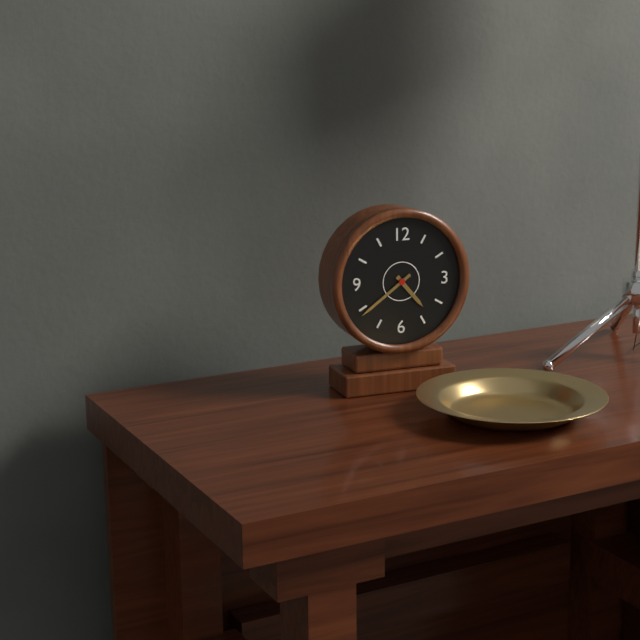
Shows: h=4 m=39
